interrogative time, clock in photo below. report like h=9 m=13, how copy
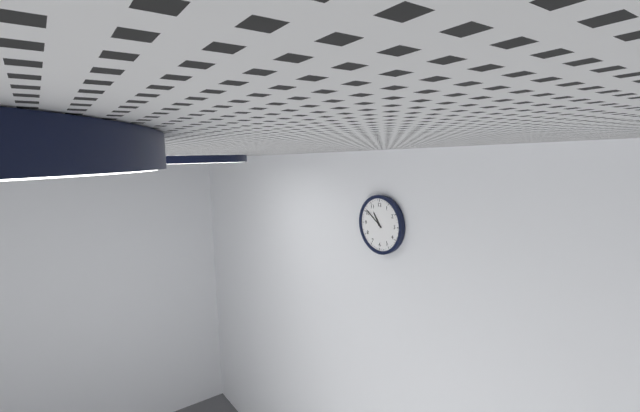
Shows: h=10 m=51
